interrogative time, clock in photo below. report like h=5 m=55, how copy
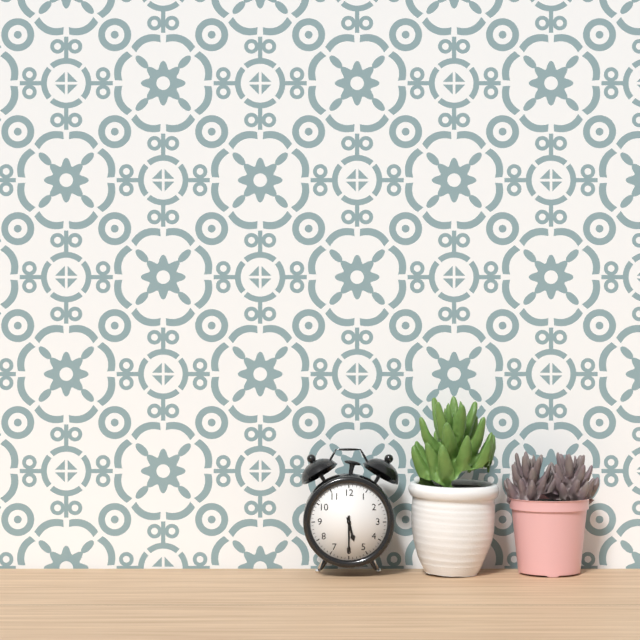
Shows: h=5 m=30
